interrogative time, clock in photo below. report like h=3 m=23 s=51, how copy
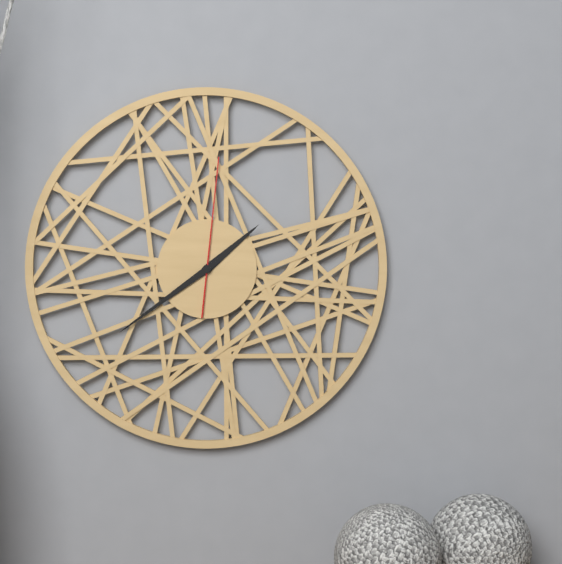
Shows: h=1 m=39 s=1
